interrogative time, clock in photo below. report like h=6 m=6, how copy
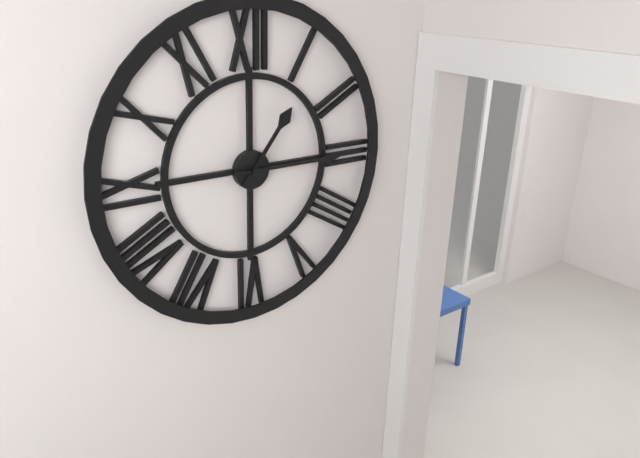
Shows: h=1 m=15
